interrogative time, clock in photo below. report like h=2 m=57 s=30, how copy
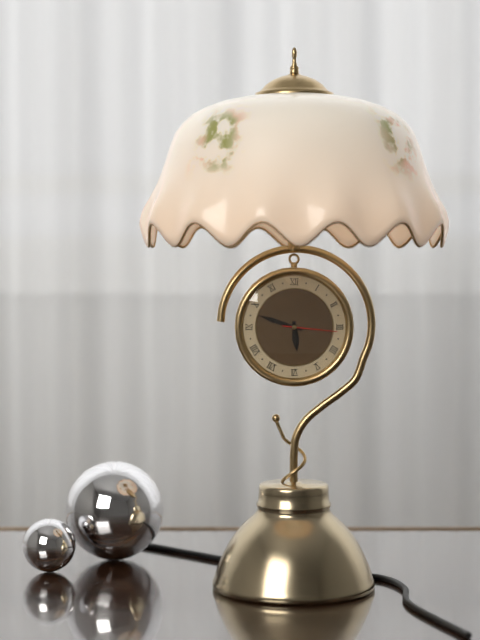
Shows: h=5 m=48 s=16
